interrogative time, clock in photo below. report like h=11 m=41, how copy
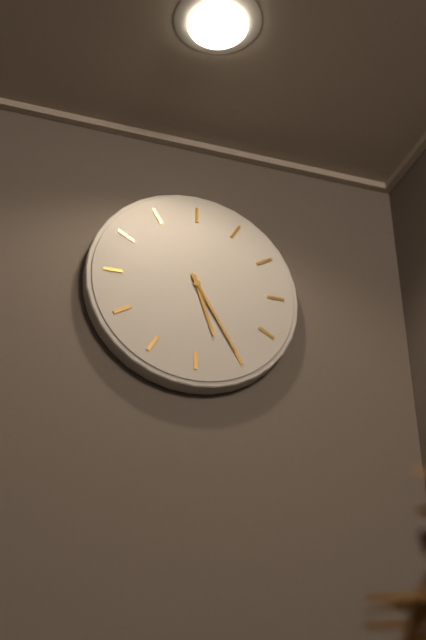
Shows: h=5 m=25
